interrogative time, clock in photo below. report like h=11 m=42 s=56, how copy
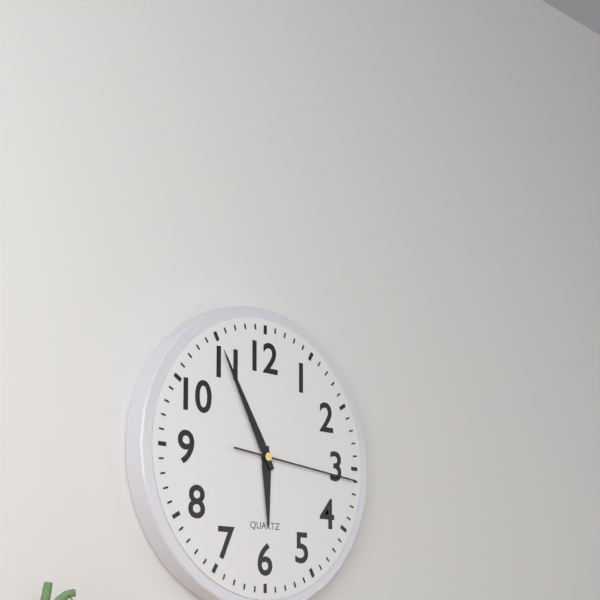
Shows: h=5 m=55 s=16
